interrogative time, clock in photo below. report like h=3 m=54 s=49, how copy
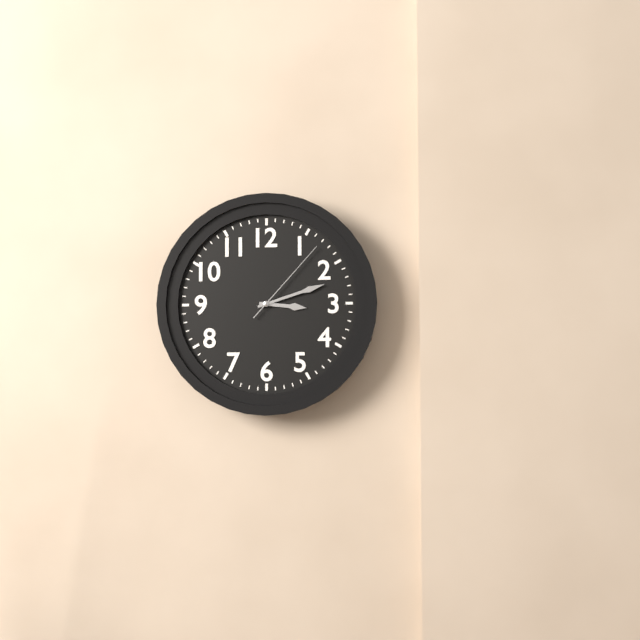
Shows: h=3 m=12 s=7
